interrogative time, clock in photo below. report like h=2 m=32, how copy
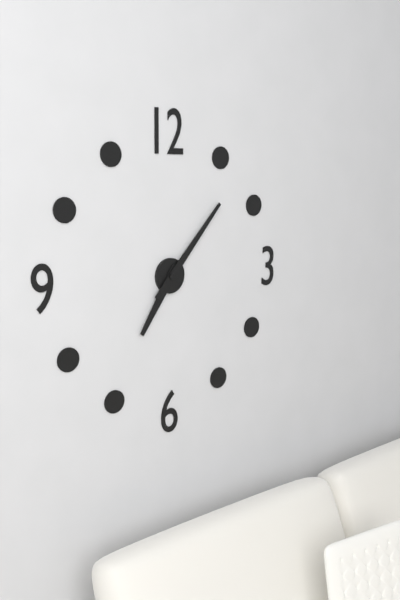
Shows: h=7 m=7
